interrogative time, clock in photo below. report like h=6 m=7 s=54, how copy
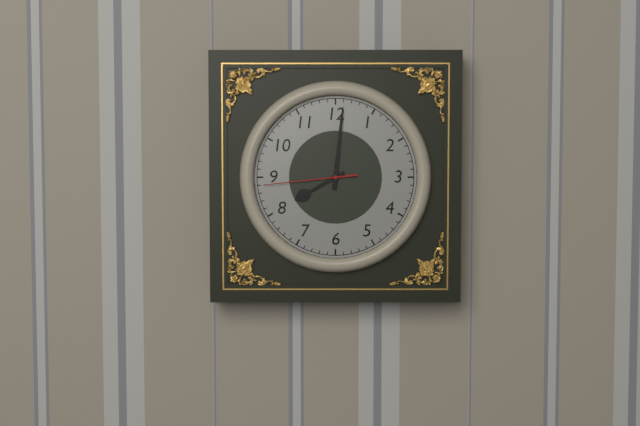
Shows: h=8 m=1 s=44
